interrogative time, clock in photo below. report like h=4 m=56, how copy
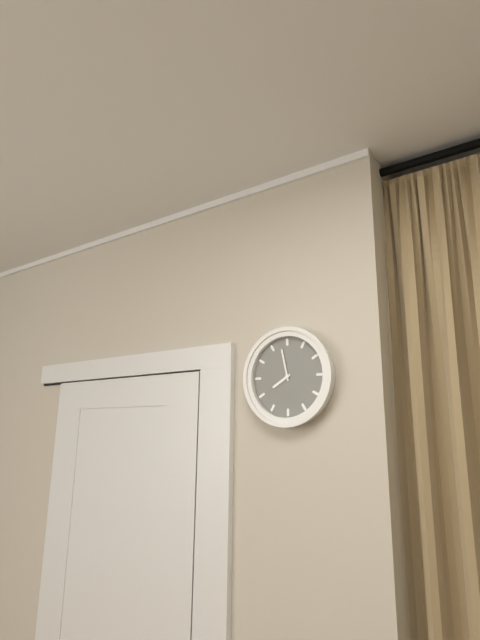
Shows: h=7 m=58
